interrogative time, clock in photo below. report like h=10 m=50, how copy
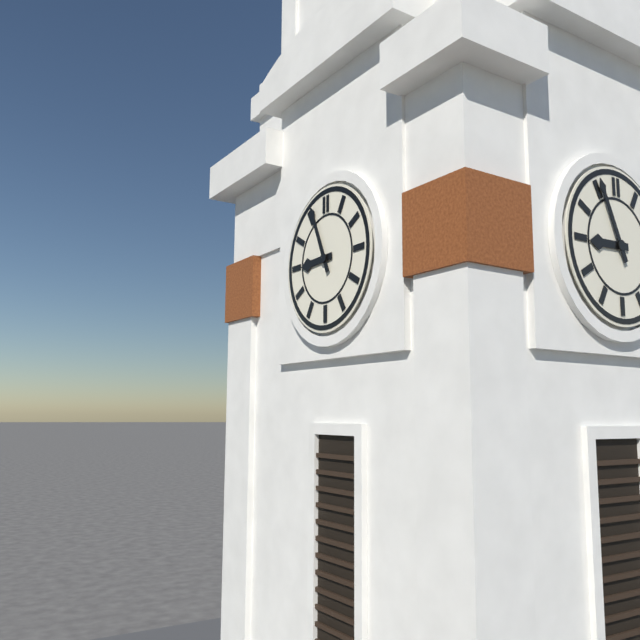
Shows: h=8 m=56
